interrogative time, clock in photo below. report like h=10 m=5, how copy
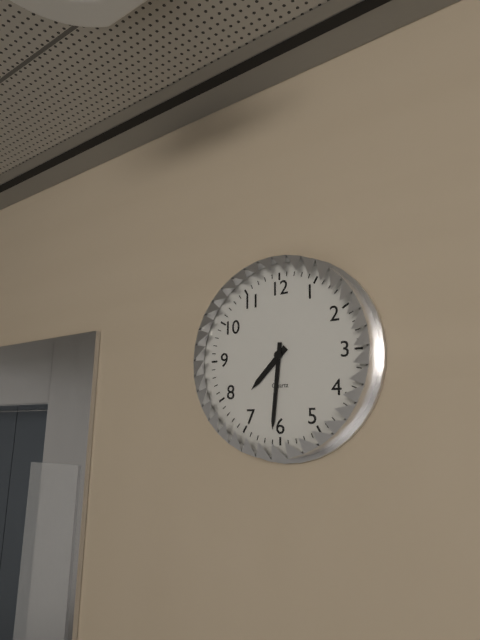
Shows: h=7 m=31
